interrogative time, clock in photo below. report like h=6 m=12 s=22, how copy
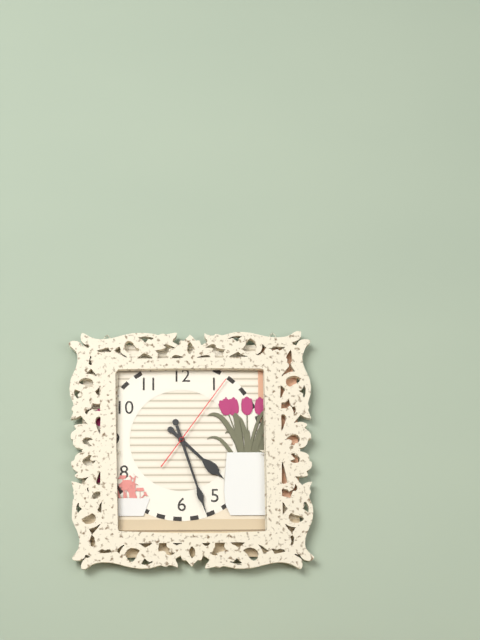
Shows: h=4 m=27 s=6
